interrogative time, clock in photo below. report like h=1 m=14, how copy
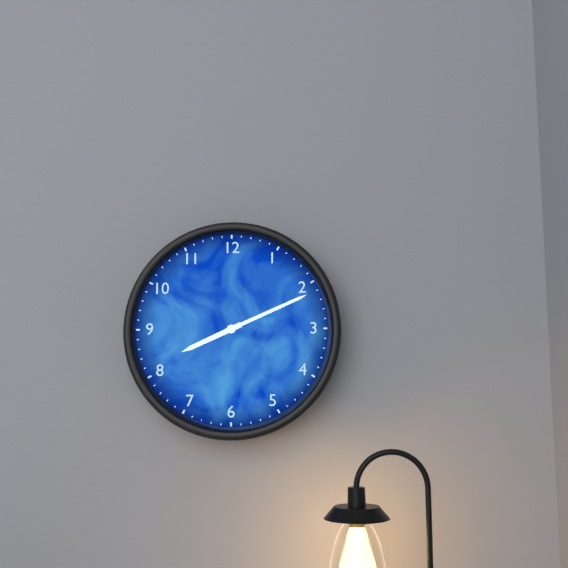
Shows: h=8 m=11
